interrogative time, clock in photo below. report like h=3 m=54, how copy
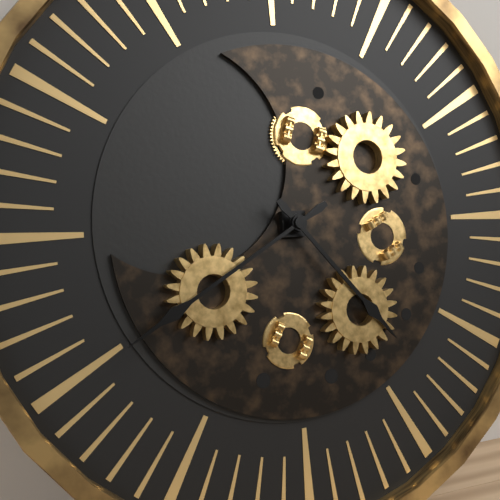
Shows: h=4 m=40
